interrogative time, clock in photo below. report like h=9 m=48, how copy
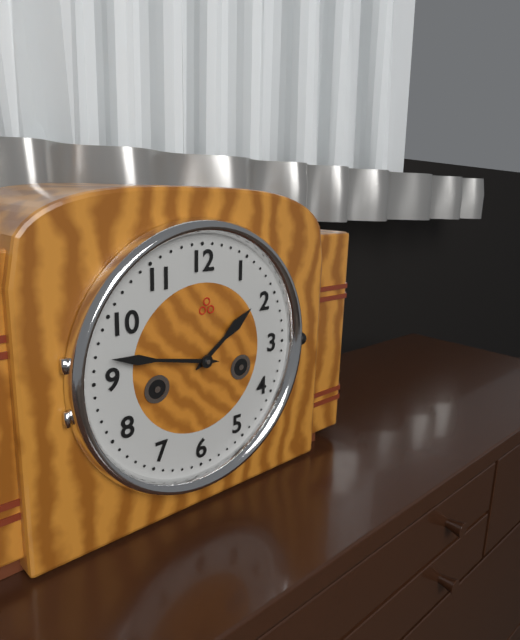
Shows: h=1 m=47
